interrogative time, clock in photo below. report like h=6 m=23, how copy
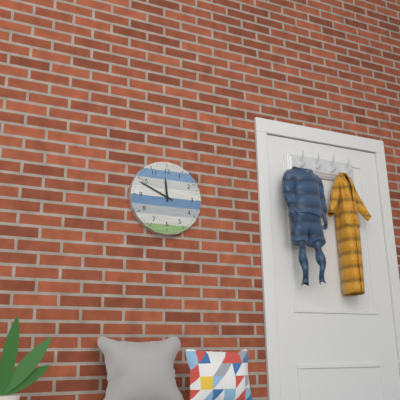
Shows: h=11 m=49
